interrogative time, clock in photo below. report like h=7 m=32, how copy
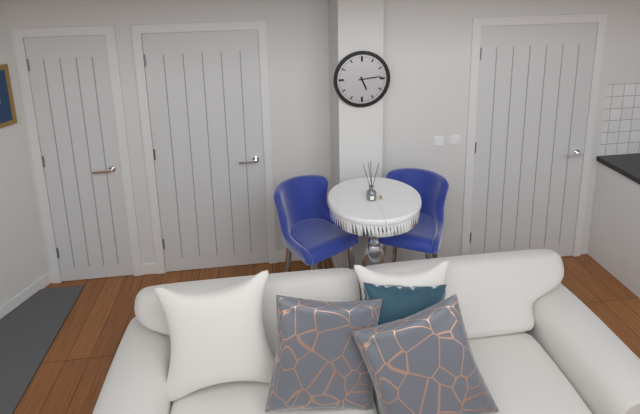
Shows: h=5 m=14
